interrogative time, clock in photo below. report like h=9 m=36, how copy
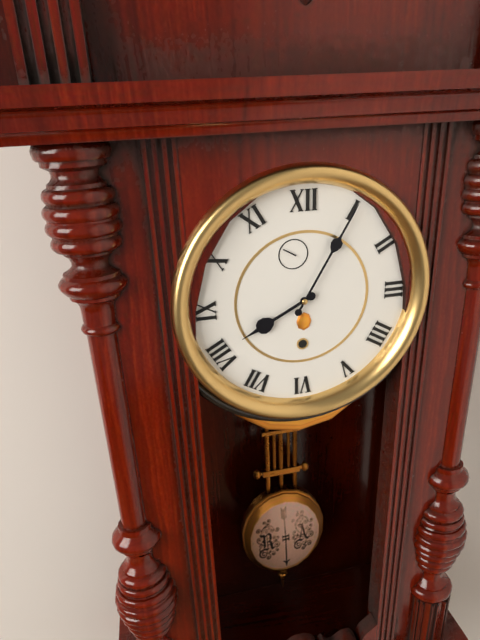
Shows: h=8 m=5
